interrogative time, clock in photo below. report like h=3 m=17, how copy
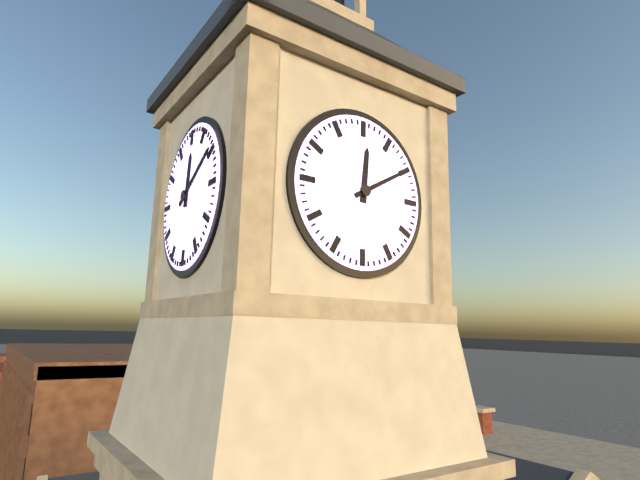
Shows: h=12 m=10
